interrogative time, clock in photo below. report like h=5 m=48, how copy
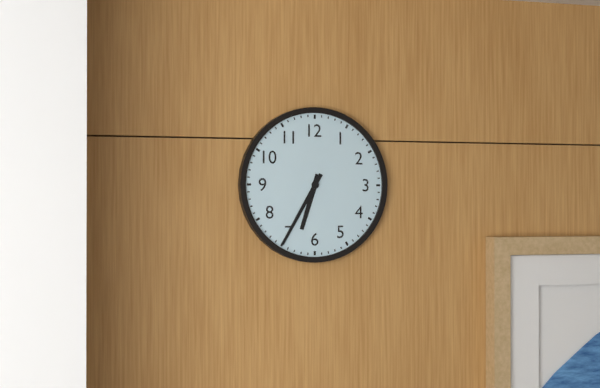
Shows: h=6 m=35
